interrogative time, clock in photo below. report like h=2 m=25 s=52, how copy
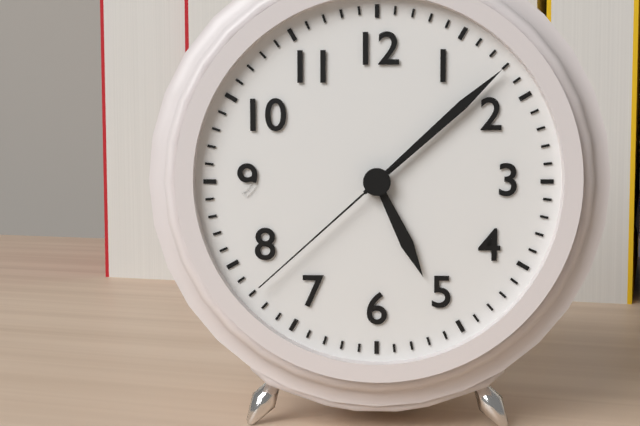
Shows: h=5 m=8 s=38
